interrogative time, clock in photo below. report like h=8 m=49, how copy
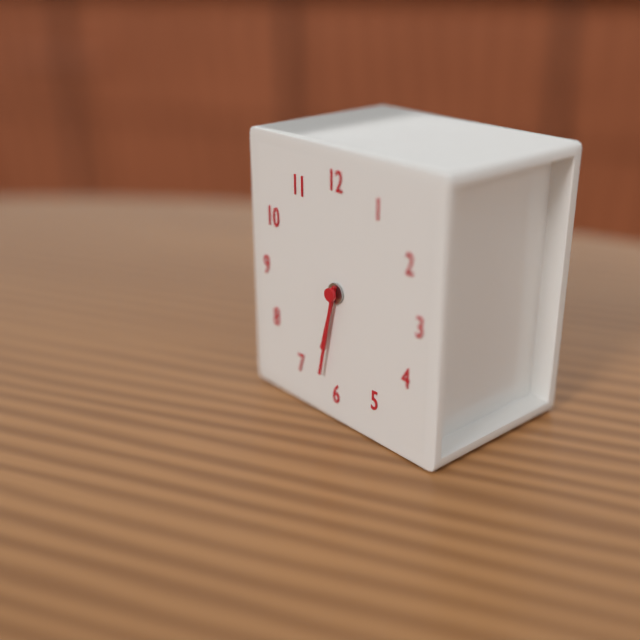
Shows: h=6 m=32
